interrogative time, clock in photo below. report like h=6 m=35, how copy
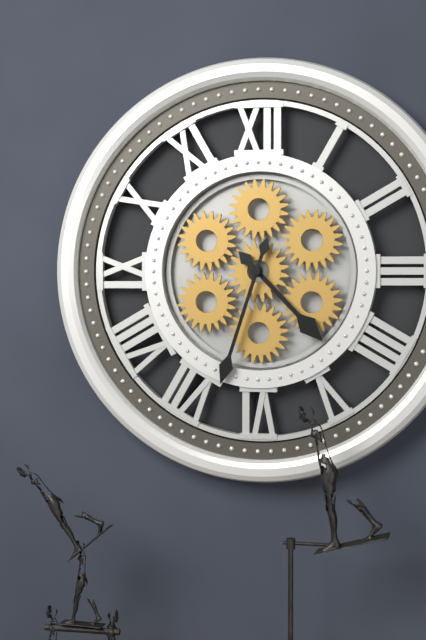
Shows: h=4 m=33
